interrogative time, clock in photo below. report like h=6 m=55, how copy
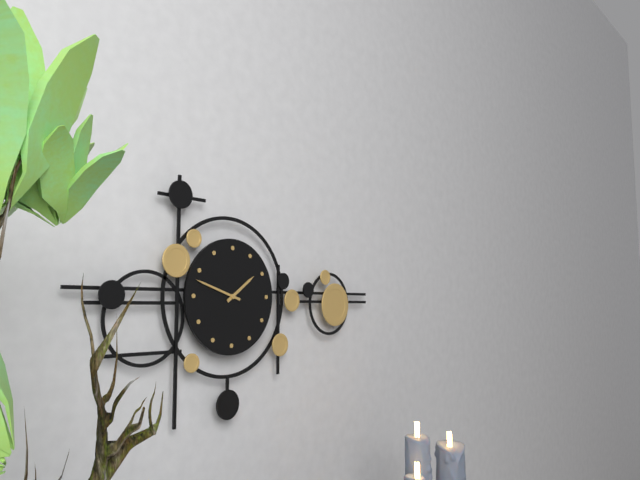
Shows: h=1 m=48
